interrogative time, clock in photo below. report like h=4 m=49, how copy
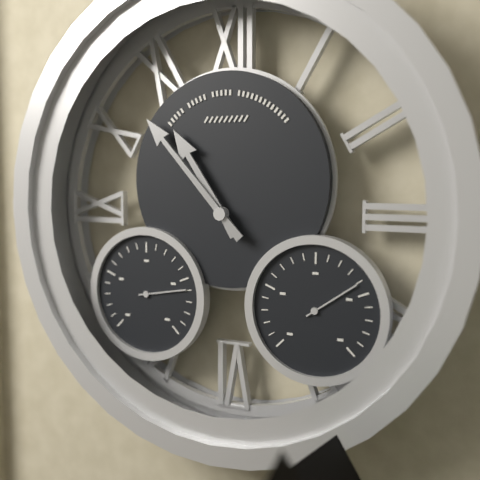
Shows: h=10 m=53
